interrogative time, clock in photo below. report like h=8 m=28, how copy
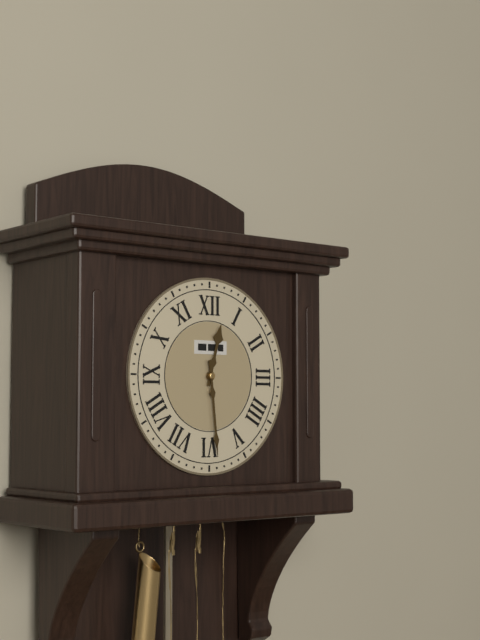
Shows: h=12 m=29
